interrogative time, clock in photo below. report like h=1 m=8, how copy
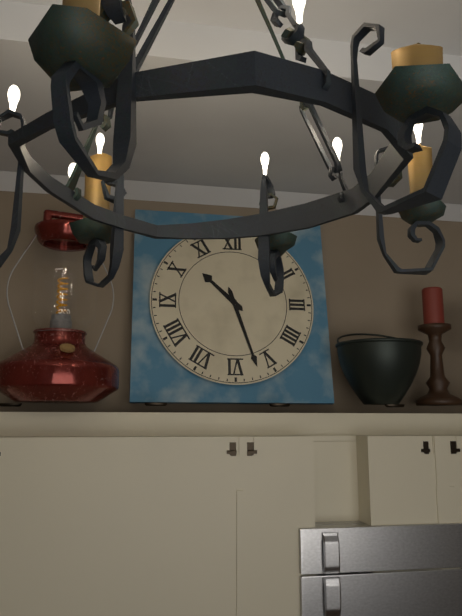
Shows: h=10 m=27
